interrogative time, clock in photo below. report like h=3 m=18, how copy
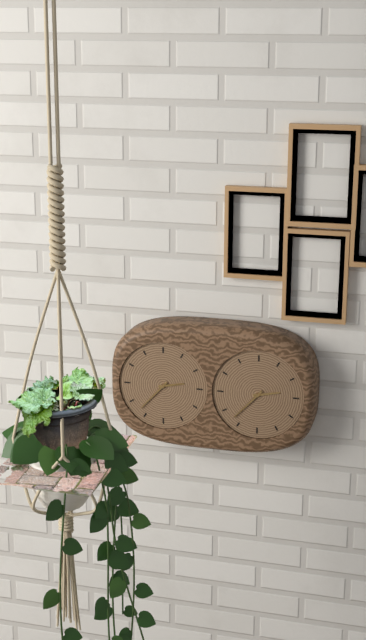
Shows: h=2 m=37
